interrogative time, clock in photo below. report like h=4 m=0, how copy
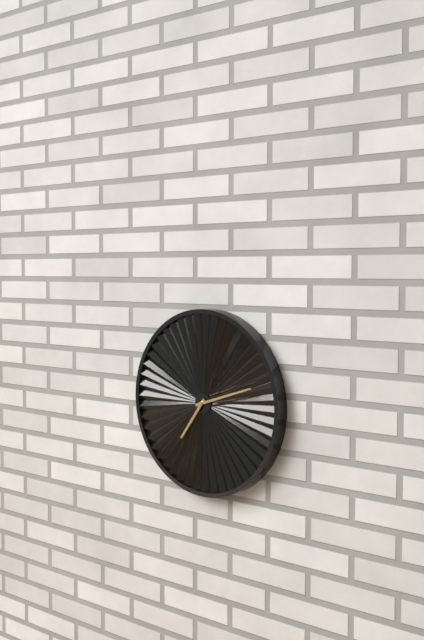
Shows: h=7 m=12
